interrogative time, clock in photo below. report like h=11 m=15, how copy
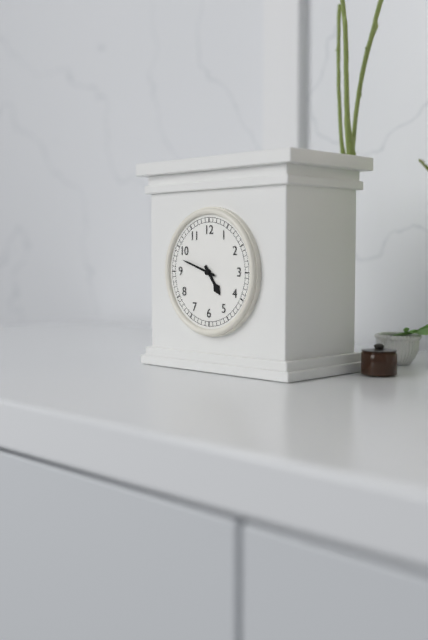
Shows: h=4 m=48
